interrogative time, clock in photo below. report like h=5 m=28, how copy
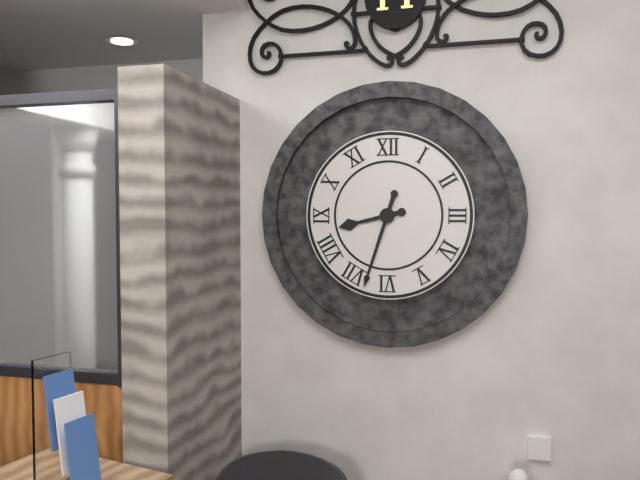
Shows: h=8 m=33
